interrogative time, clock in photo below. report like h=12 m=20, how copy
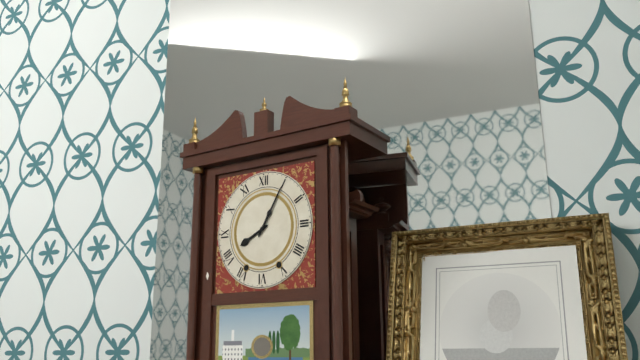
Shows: h=8 m=5
